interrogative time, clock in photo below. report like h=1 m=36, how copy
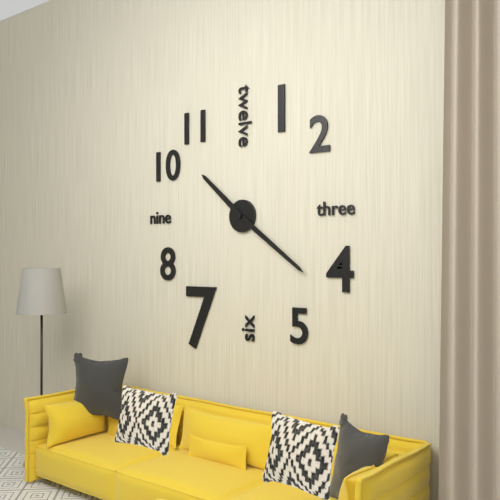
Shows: h=10 m=21
